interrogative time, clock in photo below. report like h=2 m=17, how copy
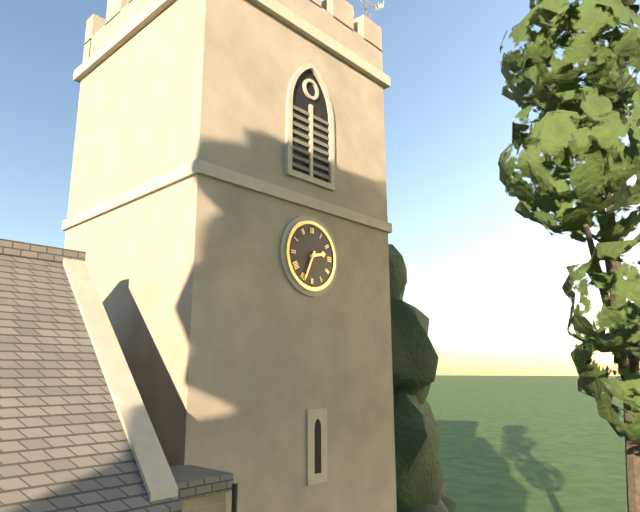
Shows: h=2 m=34
